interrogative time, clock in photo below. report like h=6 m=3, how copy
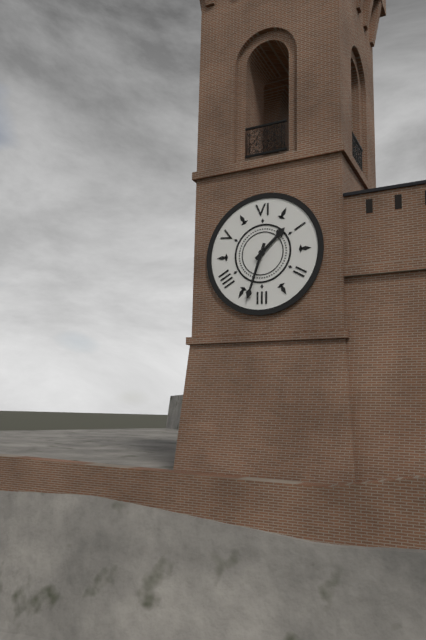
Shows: h=1 m=33
